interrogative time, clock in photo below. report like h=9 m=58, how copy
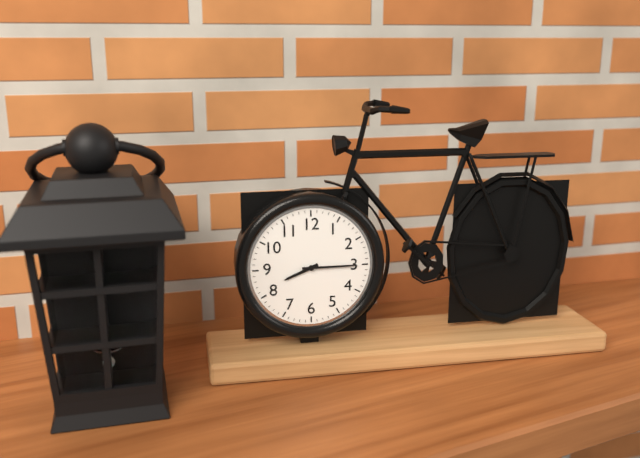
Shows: h=8 m=15
